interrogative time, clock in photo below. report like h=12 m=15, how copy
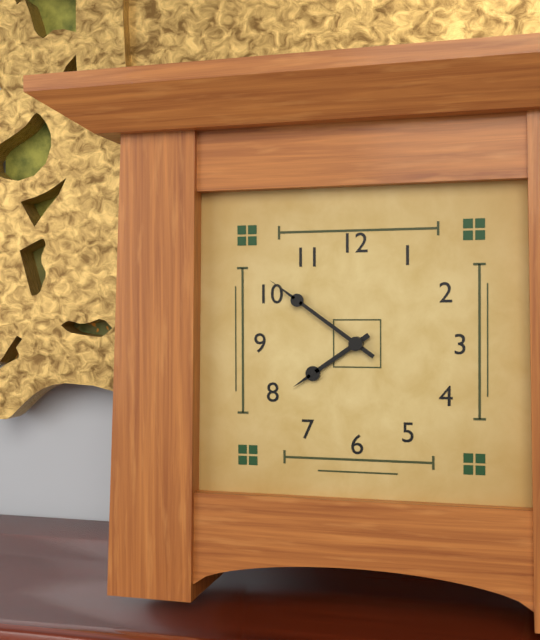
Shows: h=7 m=51
